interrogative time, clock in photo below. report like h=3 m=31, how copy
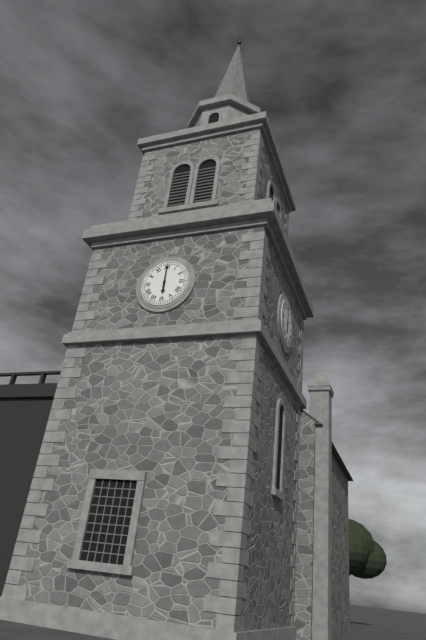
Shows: h=6 m=0
